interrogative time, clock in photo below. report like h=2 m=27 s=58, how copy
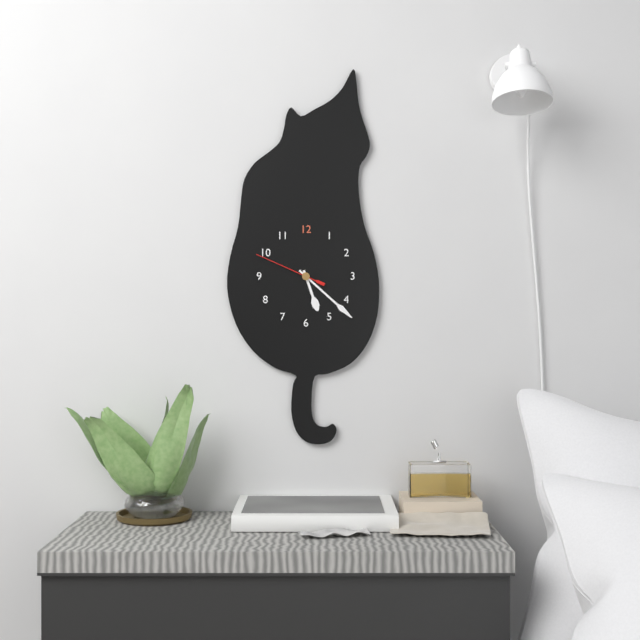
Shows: h=5 m=22 s=49
